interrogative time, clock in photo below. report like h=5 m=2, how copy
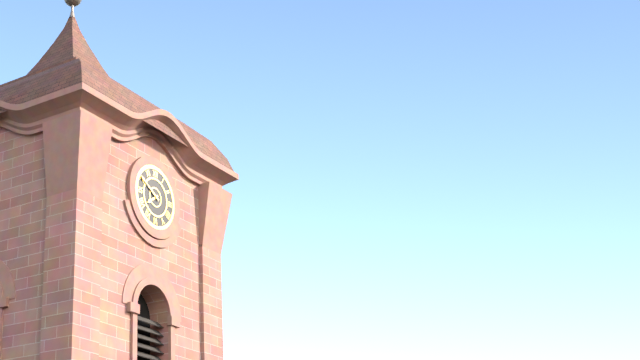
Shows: h=7 m=50
